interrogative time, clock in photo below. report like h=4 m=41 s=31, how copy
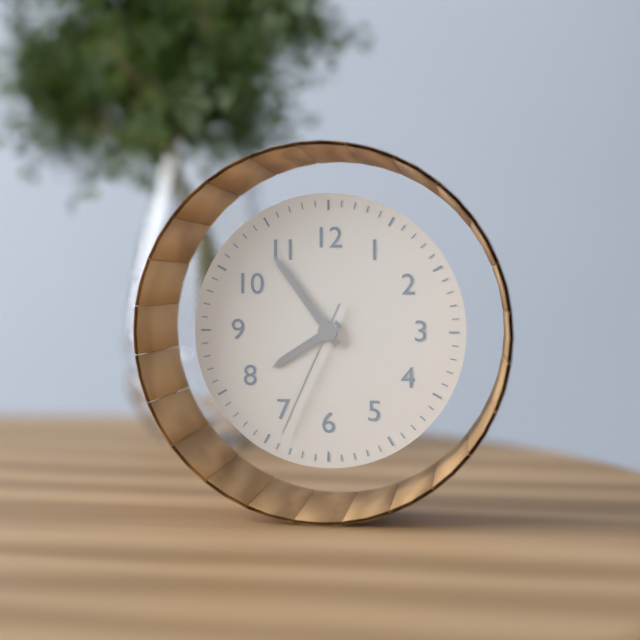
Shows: h=7 m=54 s=34
